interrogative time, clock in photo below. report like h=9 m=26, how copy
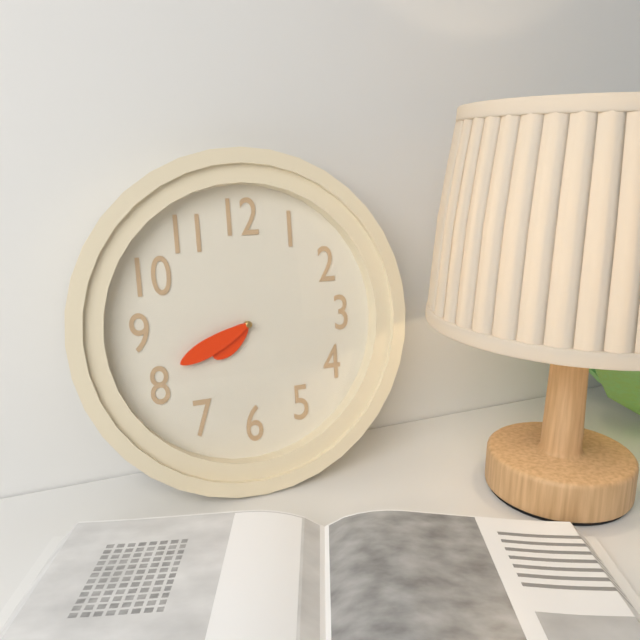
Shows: h=7 m=41
